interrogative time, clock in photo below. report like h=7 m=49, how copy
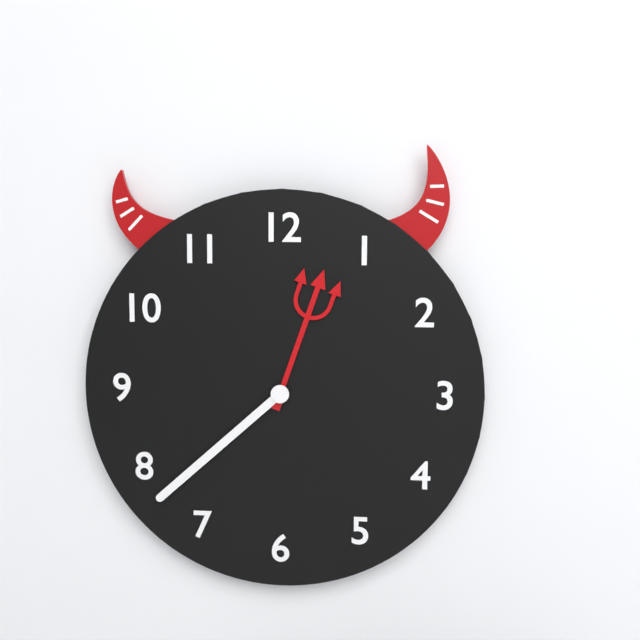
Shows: h=12 m=38
